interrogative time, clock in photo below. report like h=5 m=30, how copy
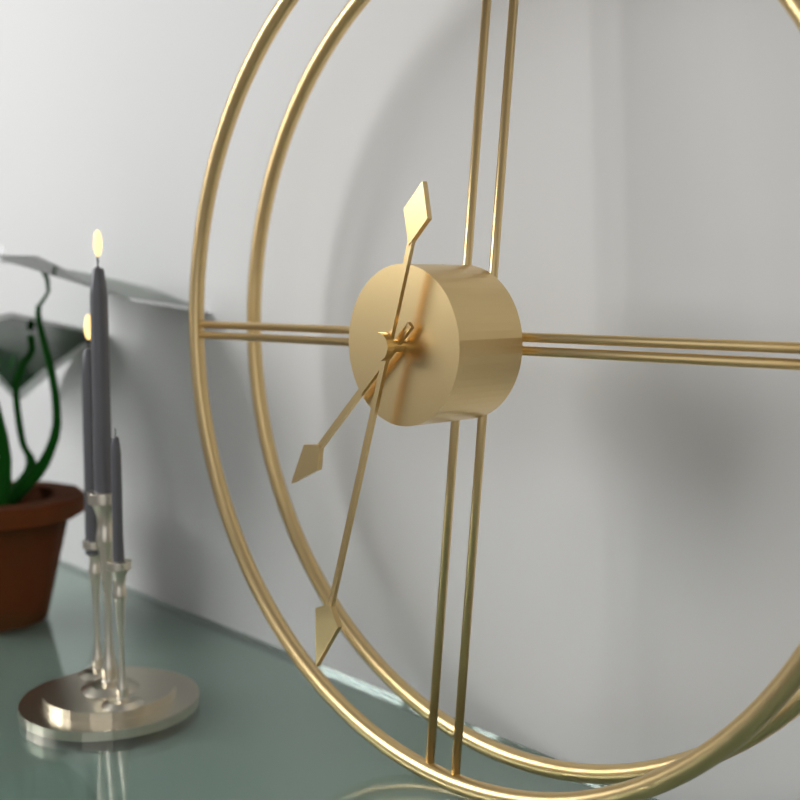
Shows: h=7 m=33
